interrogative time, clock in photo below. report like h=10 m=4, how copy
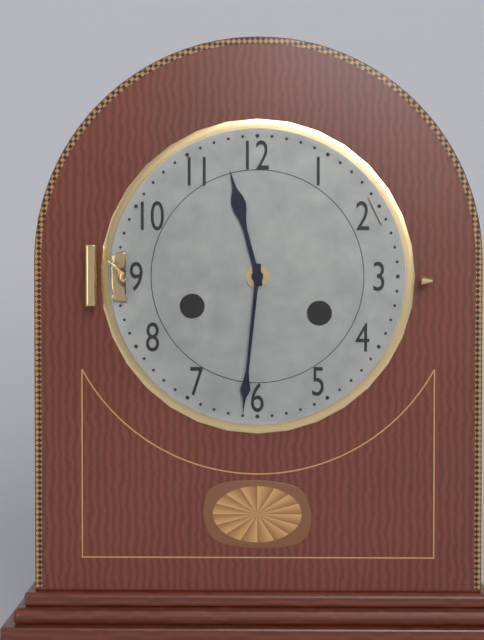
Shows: h=11 m=31
